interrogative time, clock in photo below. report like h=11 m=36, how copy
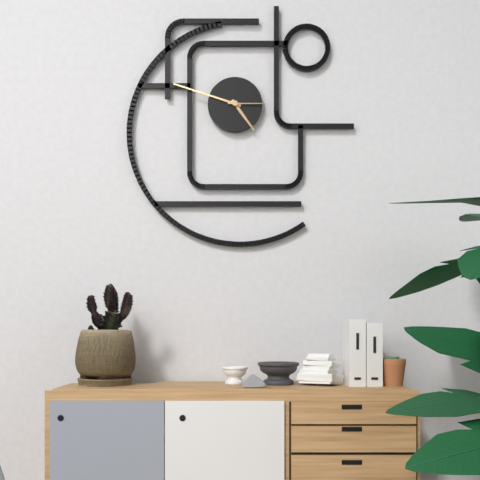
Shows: h=4 m=48
